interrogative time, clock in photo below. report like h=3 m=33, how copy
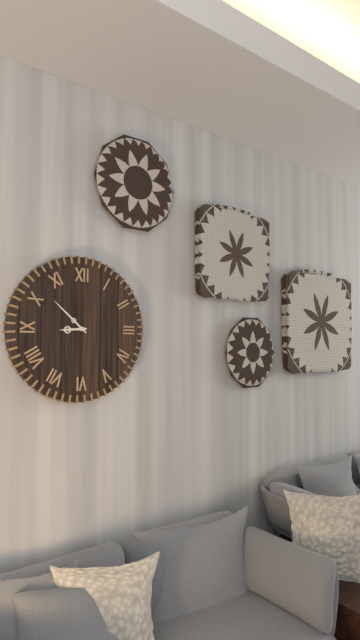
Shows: h=8 m=52
